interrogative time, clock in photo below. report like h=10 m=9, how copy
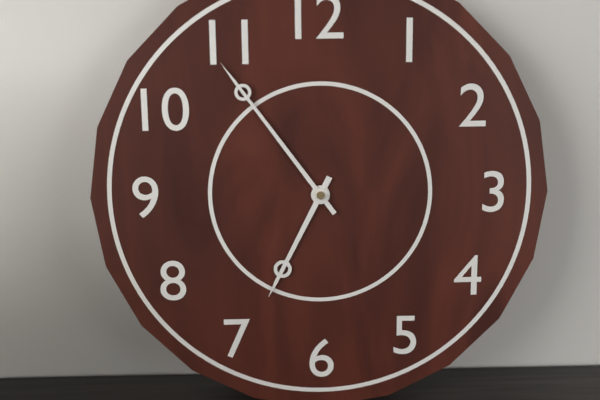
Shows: h=6 m=54
